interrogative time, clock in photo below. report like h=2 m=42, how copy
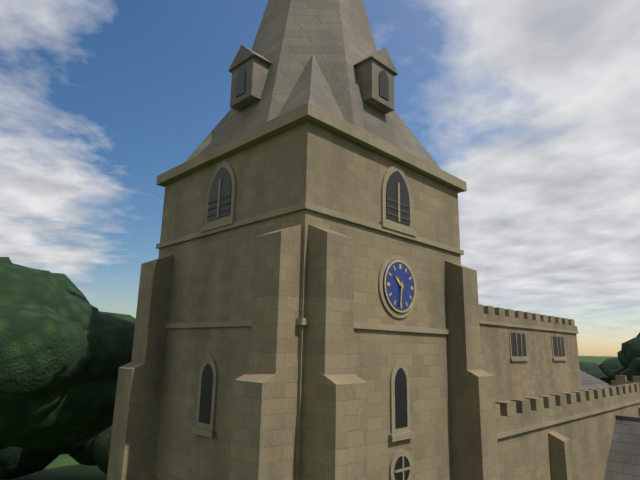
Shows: h=10 m=31
